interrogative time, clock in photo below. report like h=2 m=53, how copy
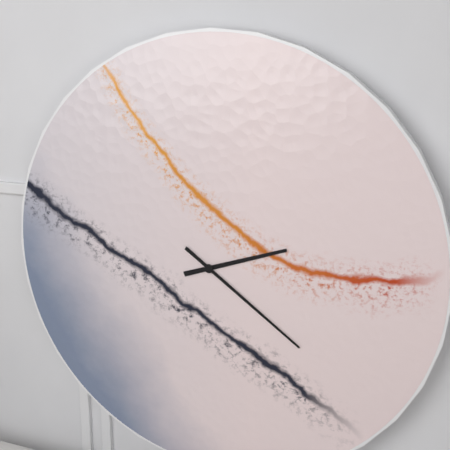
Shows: h=2 m=21
